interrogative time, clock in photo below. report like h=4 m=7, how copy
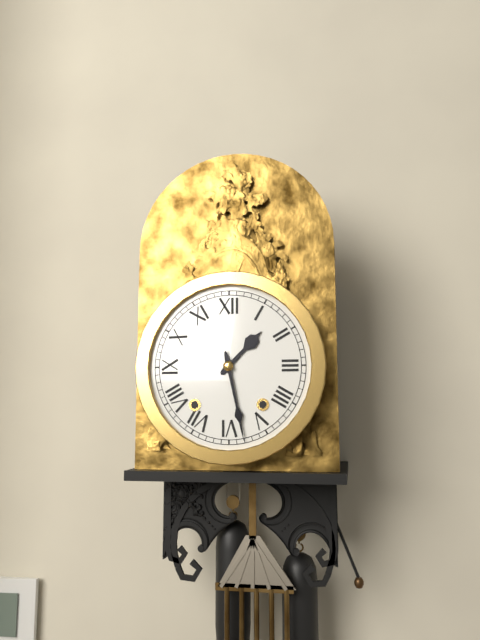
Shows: h=1 m=28
